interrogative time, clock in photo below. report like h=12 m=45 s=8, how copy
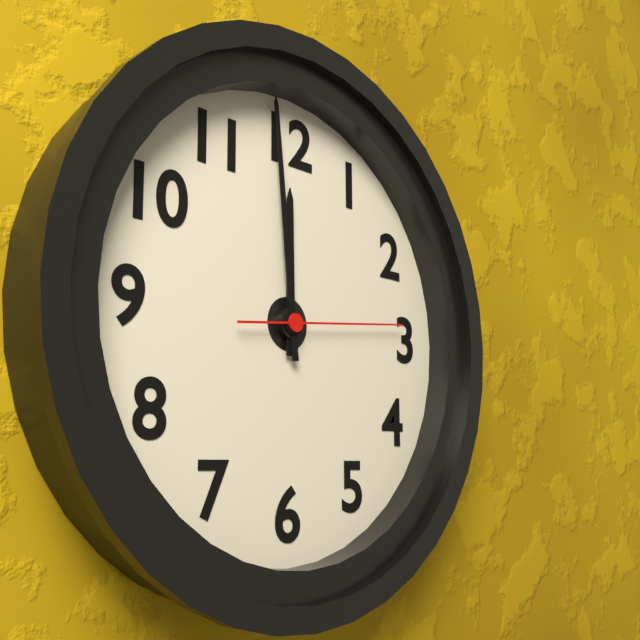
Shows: h=11 m=59 s=14
